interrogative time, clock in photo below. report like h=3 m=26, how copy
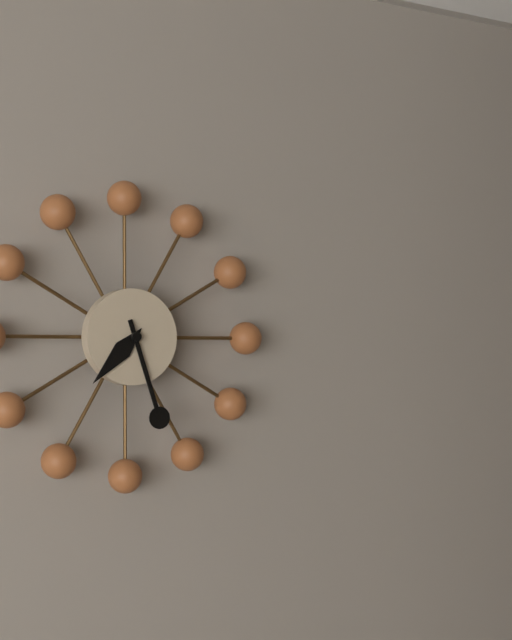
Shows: h=7 m=27
